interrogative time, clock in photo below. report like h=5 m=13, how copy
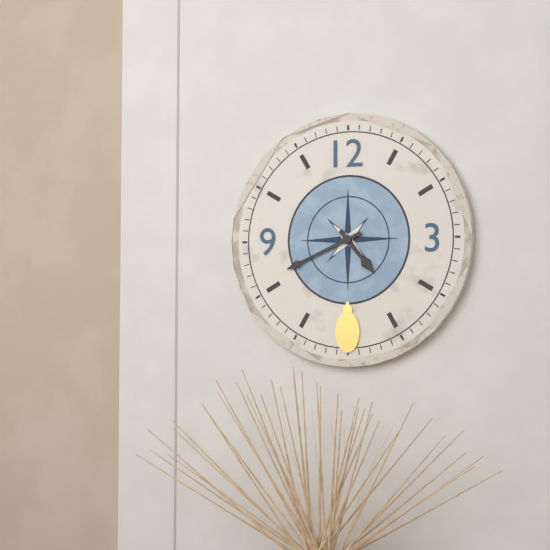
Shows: h=4 m=41
